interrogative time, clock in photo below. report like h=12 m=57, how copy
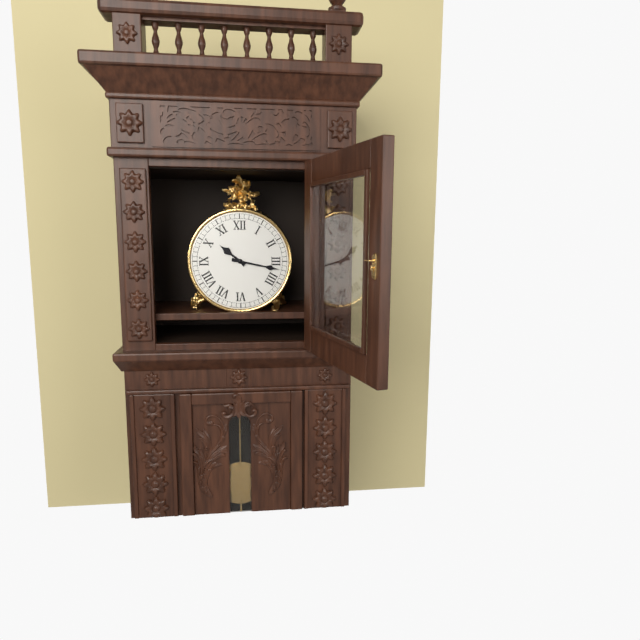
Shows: h=10 m=17
